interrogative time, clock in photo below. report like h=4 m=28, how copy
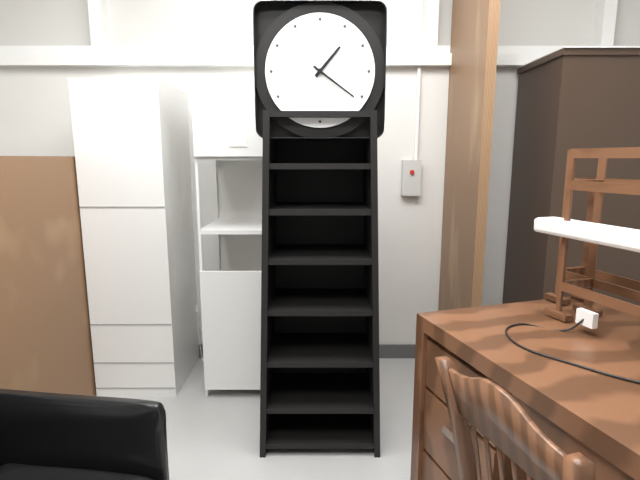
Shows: h=1 m=21
